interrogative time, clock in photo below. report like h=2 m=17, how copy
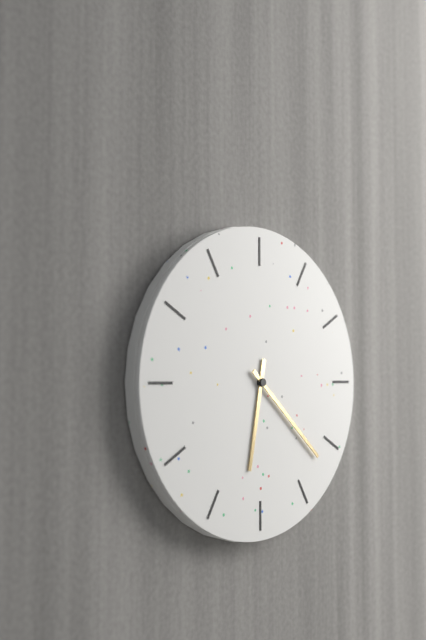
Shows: h=6 m=22
